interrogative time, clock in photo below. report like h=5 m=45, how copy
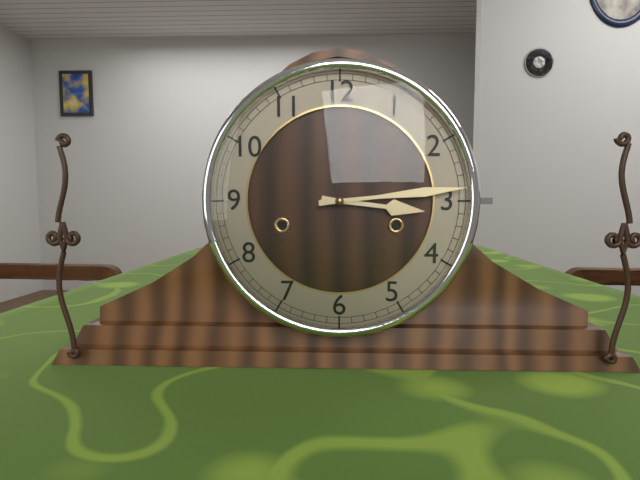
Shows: h=3 m=14
